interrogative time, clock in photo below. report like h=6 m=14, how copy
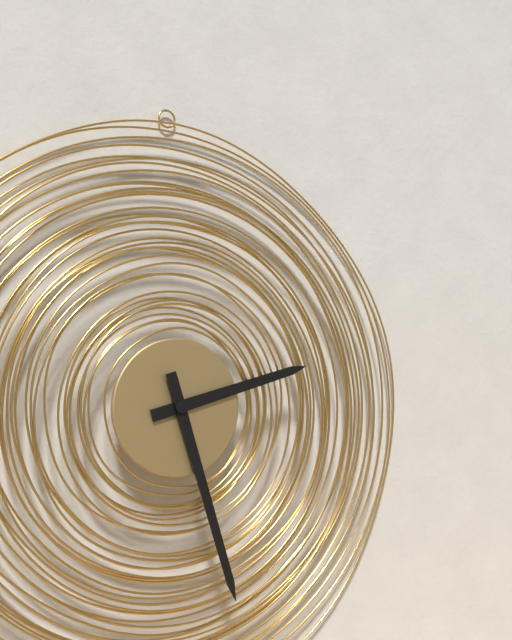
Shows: h=2 m=27
